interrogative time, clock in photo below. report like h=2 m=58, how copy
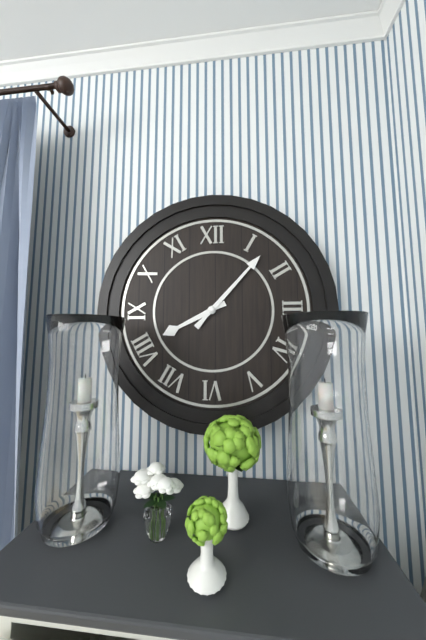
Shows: h=8 m=7
